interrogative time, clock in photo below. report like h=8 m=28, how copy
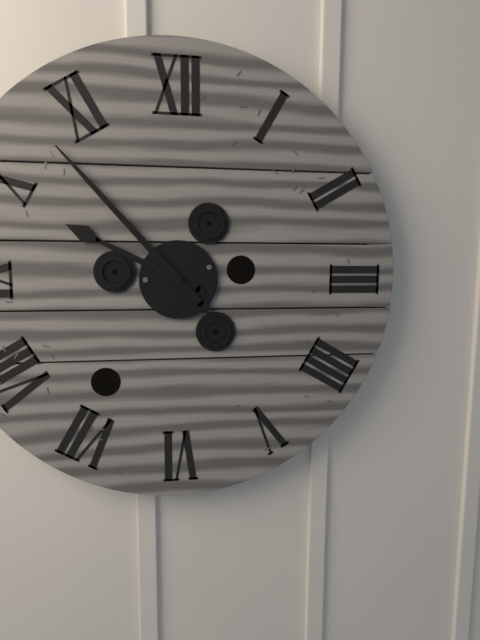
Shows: h=9 m=53
